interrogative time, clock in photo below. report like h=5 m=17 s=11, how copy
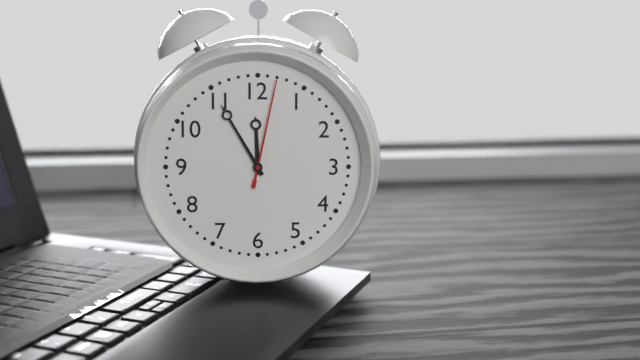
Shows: h=11 m=55 s=2
